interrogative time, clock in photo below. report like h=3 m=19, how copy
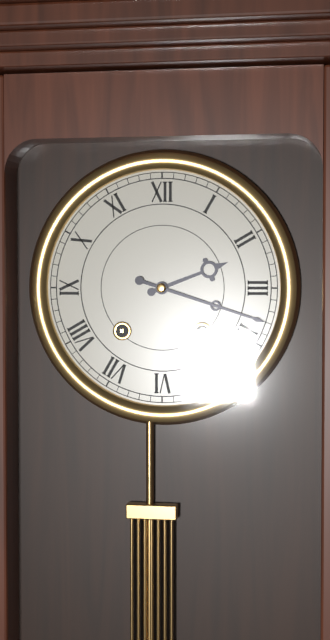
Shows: h=2 m=18
